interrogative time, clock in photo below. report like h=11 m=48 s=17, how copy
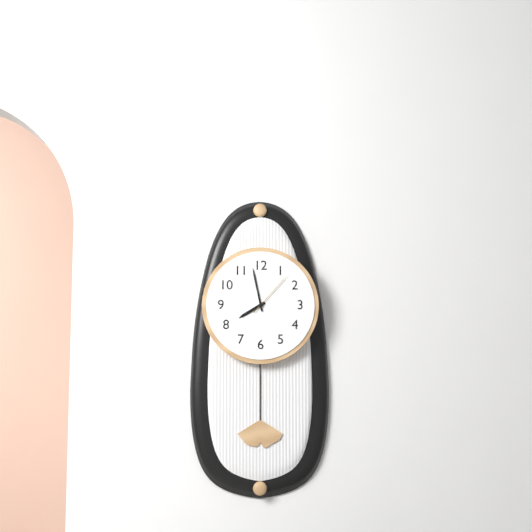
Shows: h=7 m=58 s=7
